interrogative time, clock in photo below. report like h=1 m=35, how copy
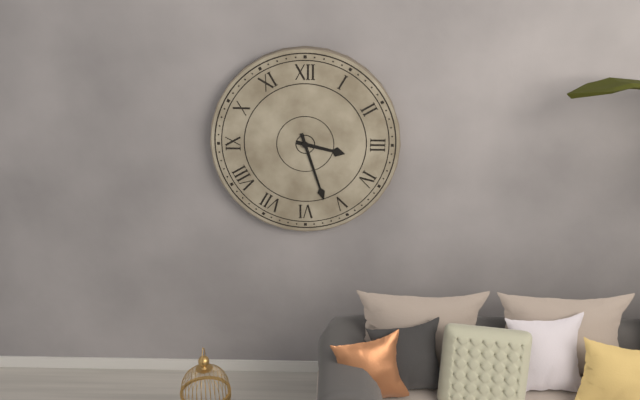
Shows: h=3 m=27
